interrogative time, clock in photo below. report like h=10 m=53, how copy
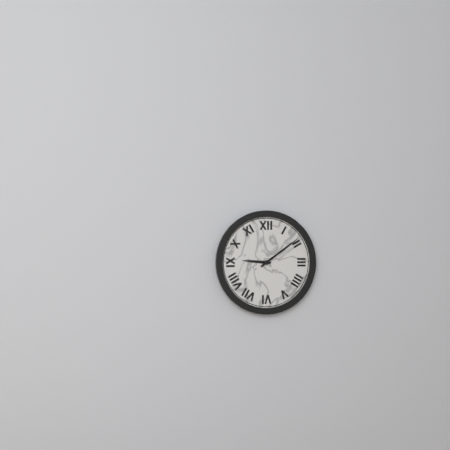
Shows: h=9 m=9
